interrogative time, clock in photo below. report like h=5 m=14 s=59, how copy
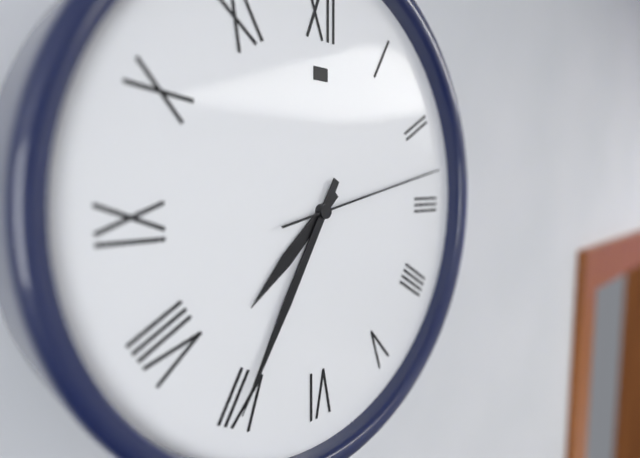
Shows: h=7 m=35 s=13
